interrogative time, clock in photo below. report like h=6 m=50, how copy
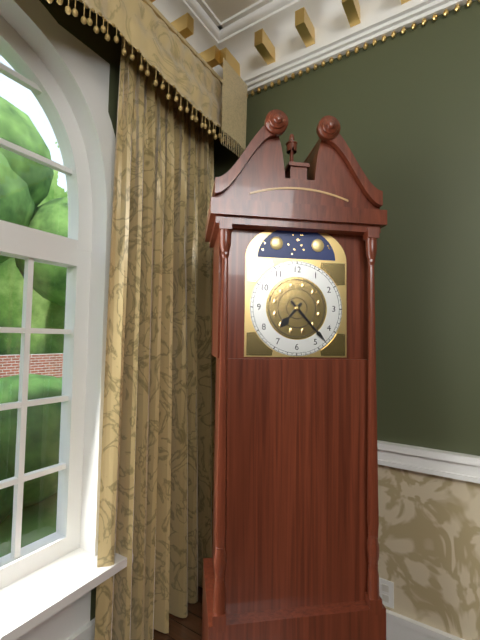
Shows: h=7 m=23
